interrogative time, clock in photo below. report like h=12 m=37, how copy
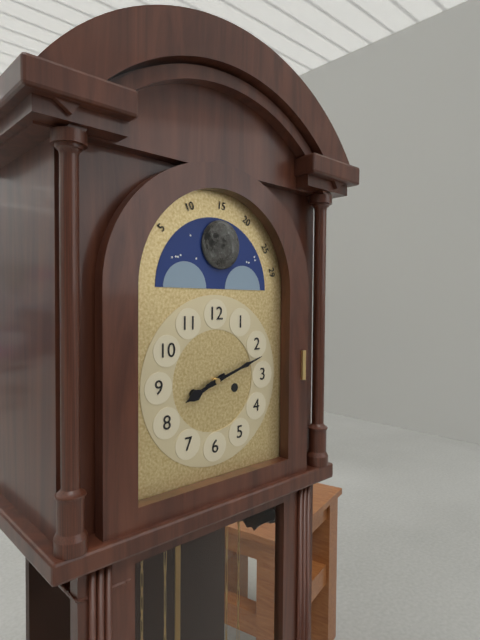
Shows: h=8 m=12
